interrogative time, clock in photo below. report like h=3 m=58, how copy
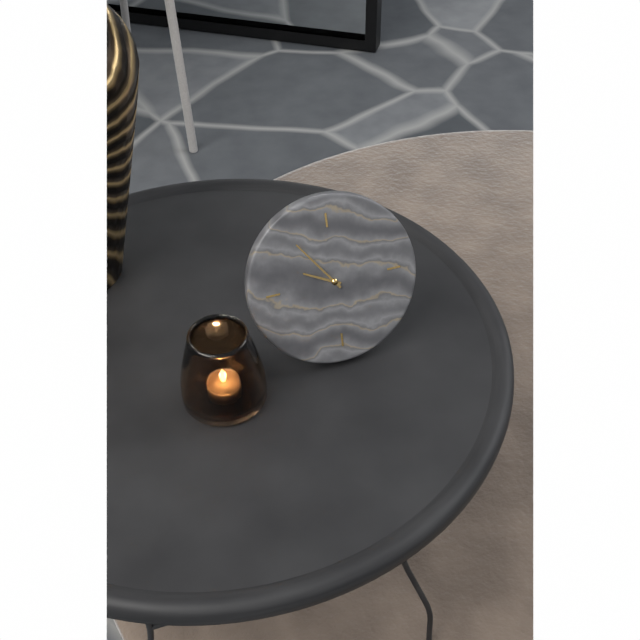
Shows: h=9 m=54
